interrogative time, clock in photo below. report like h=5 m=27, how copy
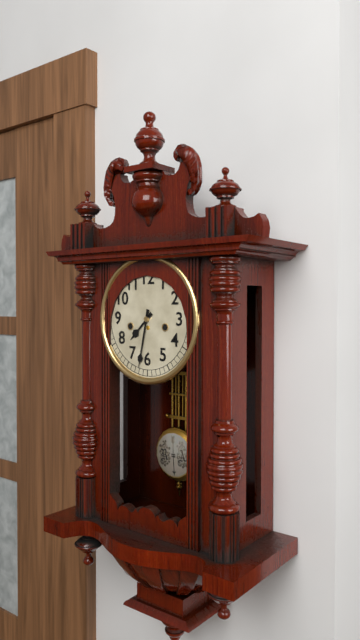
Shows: h=7 m=32
